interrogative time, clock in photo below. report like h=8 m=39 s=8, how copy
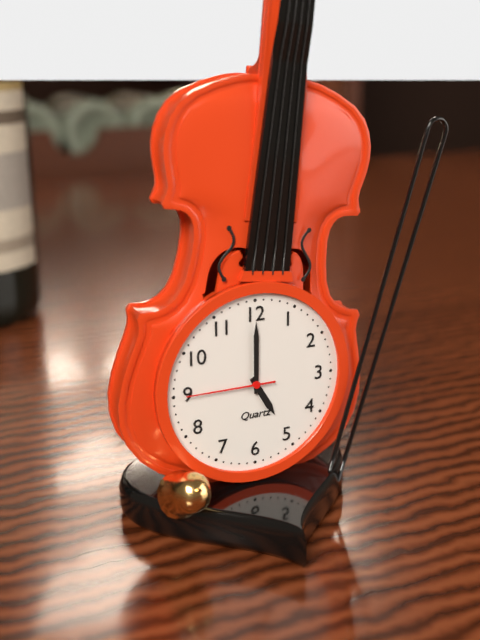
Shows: h=5 m=0 s=45
